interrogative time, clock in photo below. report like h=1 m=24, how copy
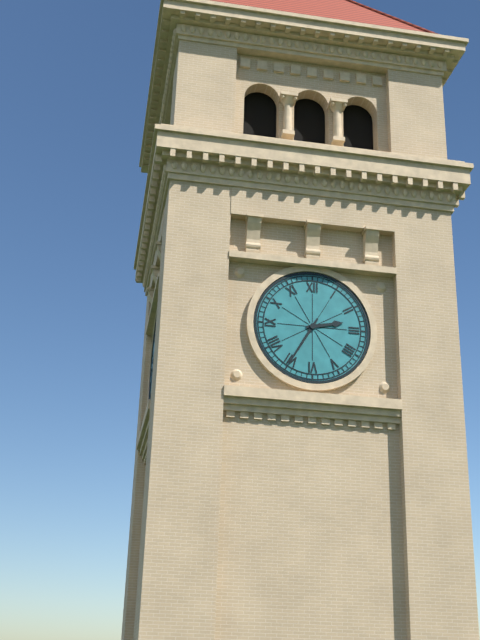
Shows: h=2 m=35
